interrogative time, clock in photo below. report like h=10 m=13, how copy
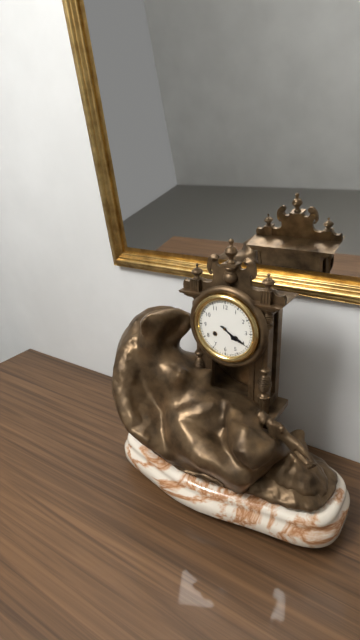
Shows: h=4 m=20
